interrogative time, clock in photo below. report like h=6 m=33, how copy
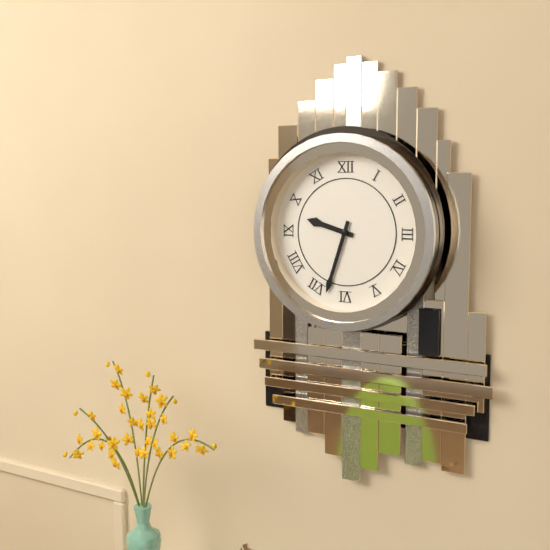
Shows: h=9 m=33
